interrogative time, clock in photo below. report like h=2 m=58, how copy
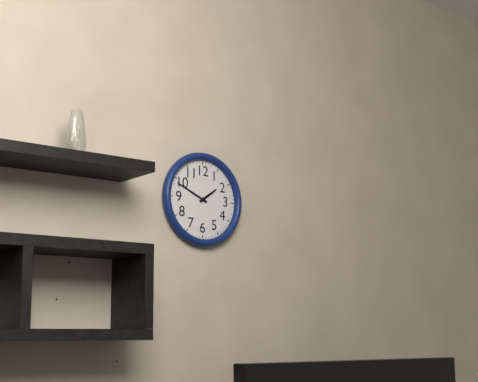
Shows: h=1 m=49
